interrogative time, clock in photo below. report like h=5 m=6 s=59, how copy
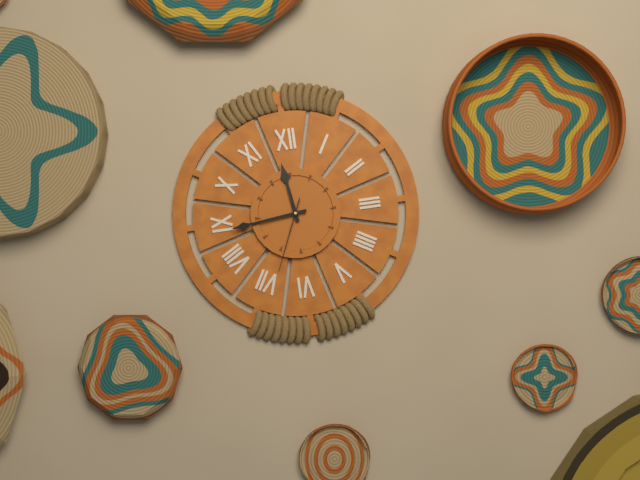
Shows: h=11 m=44 s=34
